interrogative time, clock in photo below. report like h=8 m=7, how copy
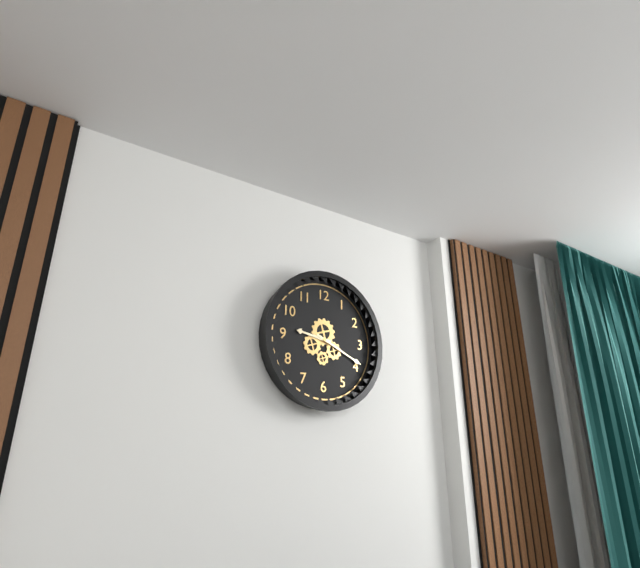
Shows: h=9 m=19
